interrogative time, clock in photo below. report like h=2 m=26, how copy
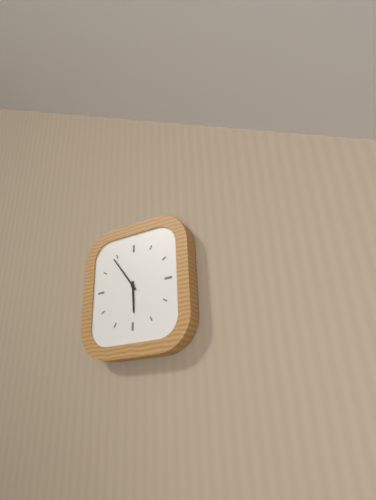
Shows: h=5 m=54
